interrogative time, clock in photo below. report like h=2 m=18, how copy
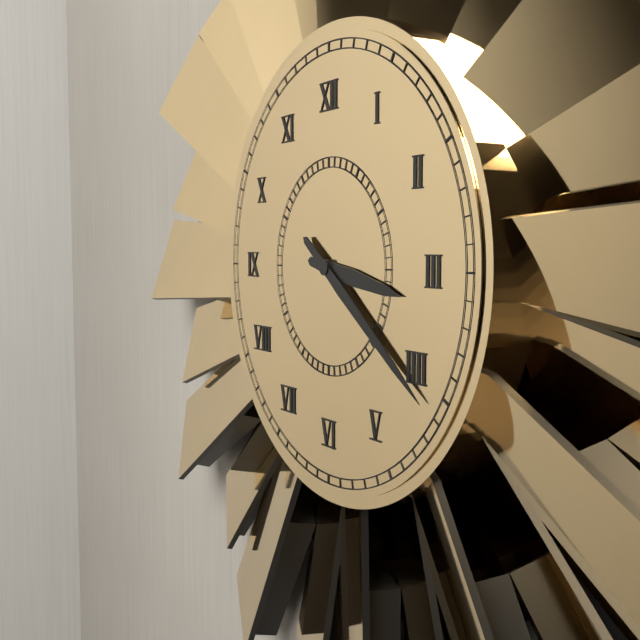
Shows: h=3 m=21
